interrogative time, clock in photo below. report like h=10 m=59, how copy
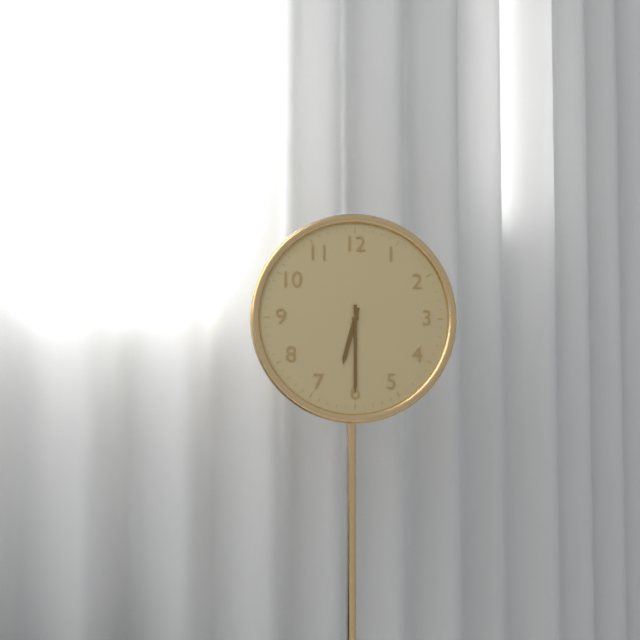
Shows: h=6 m=30
